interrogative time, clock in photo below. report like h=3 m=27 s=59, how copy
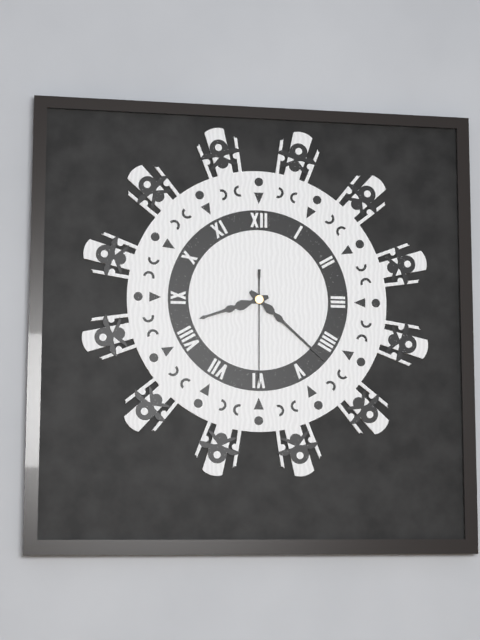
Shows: h=8 m=22 s=30
